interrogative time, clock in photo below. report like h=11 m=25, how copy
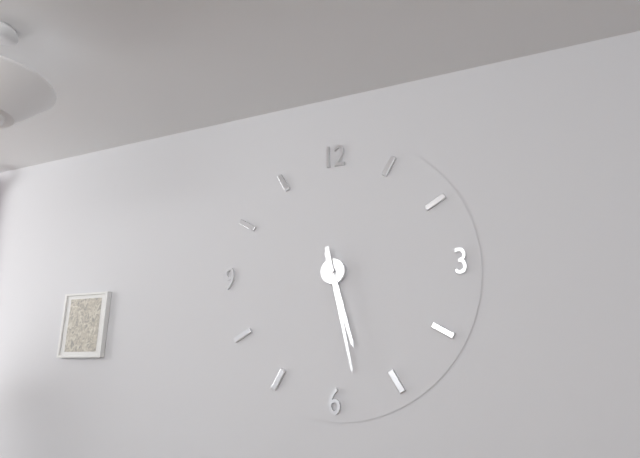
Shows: h=5 m=28
